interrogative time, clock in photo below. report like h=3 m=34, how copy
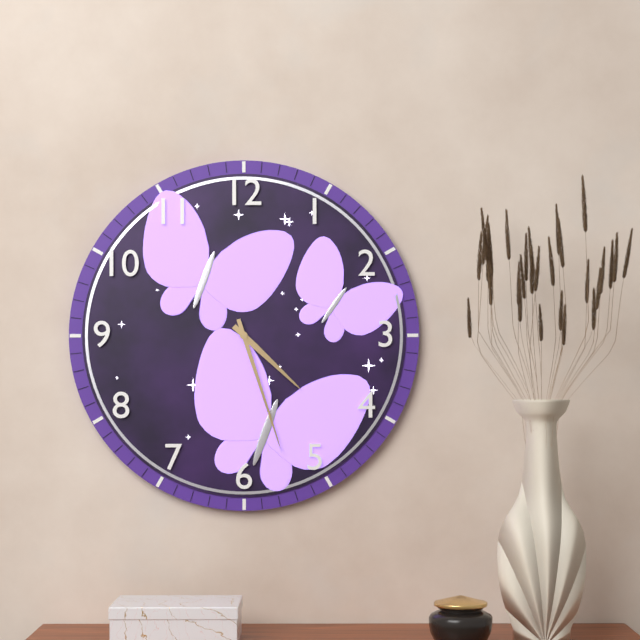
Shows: h=4 m=27
